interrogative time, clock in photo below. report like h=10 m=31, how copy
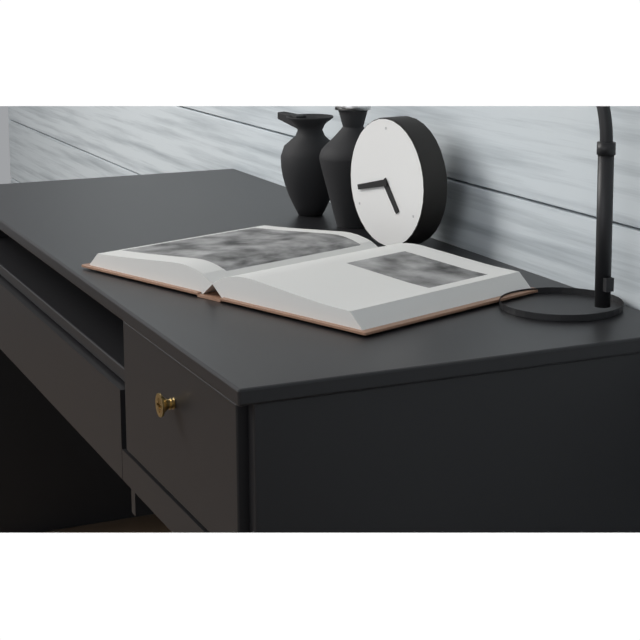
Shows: h=4 m=43
